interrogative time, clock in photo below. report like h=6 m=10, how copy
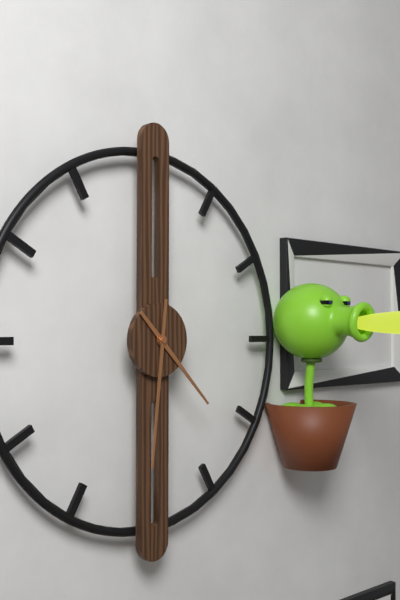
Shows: h=4 m=31
